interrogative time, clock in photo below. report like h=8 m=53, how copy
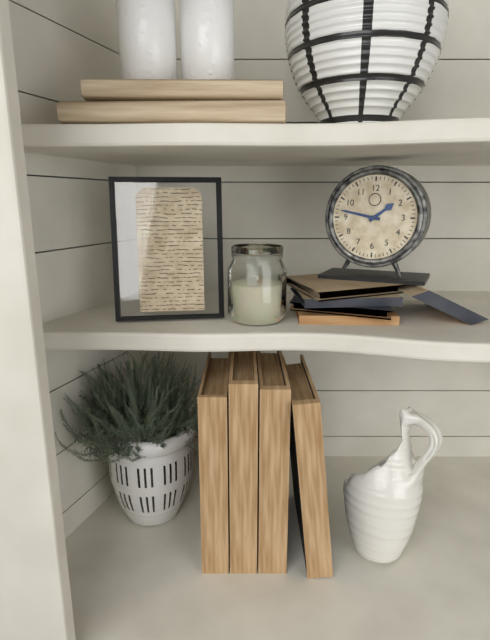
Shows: h=1 m=47
